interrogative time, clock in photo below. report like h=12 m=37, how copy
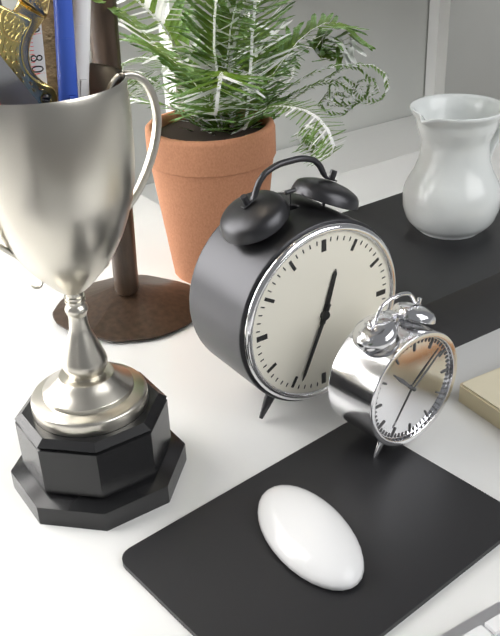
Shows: h=12 m=34
